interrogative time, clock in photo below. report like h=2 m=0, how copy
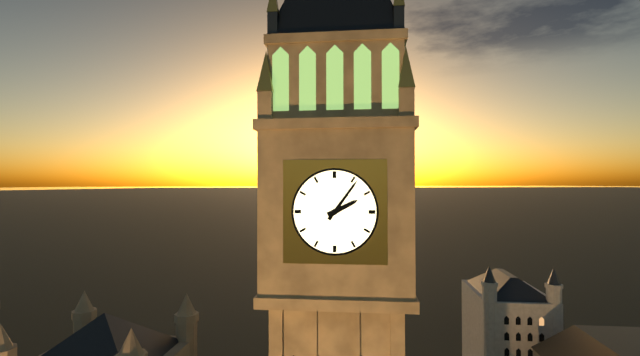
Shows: h=2 m=6
